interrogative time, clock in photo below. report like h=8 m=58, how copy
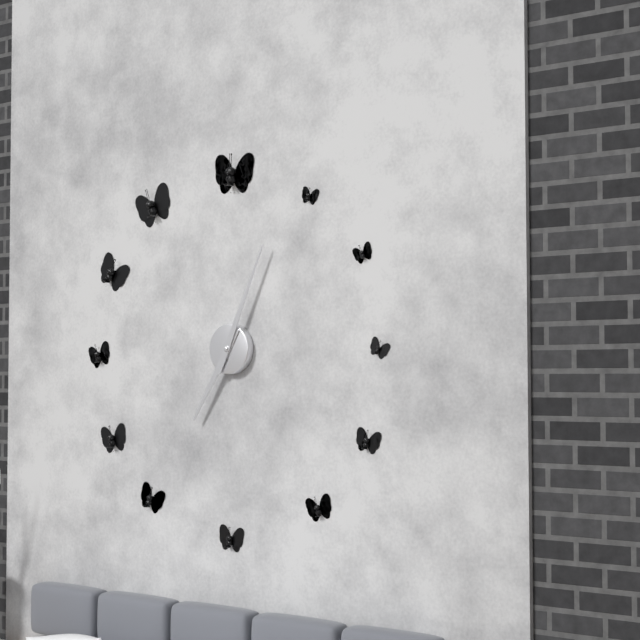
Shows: h=7 m=4
